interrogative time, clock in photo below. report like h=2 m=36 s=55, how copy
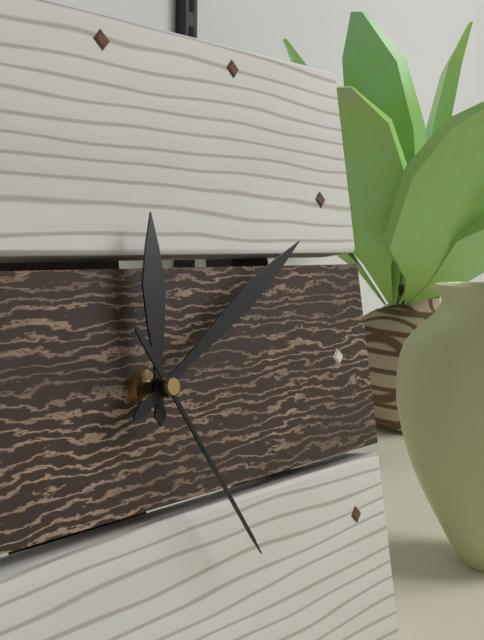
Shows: h=12 m=10 s=25
